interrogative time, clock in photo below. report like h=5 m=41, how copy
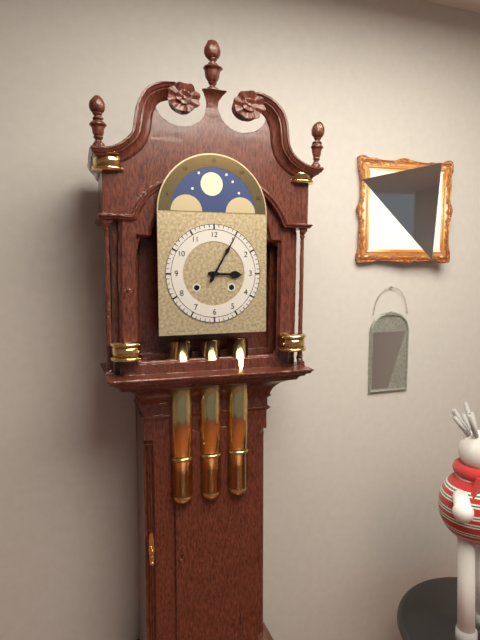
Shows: h=3 m=5
